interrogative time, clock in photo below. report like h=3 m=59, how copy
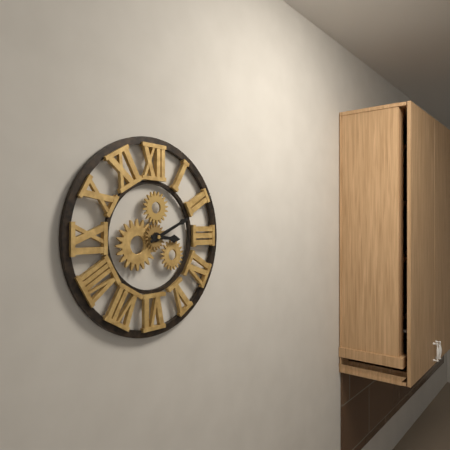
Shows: h=3 m=11
